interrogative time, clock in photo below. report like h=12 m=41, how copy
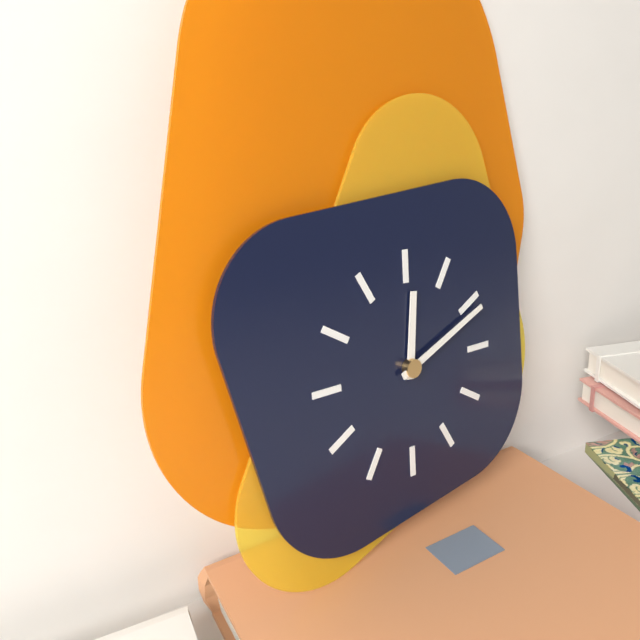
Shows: h=12 m=11
